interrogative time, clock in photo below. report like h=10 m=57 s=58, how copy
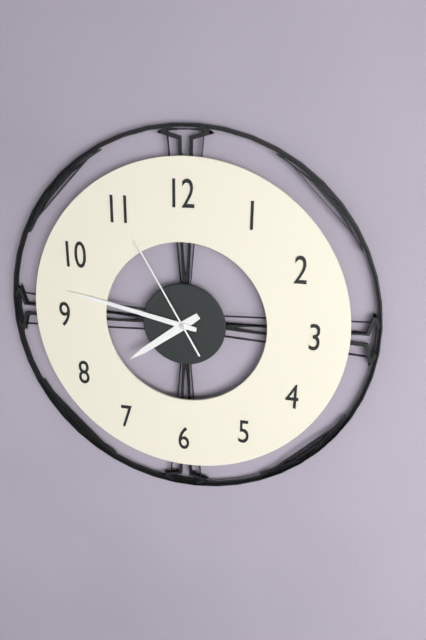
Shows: h=7 m=47 s=55
